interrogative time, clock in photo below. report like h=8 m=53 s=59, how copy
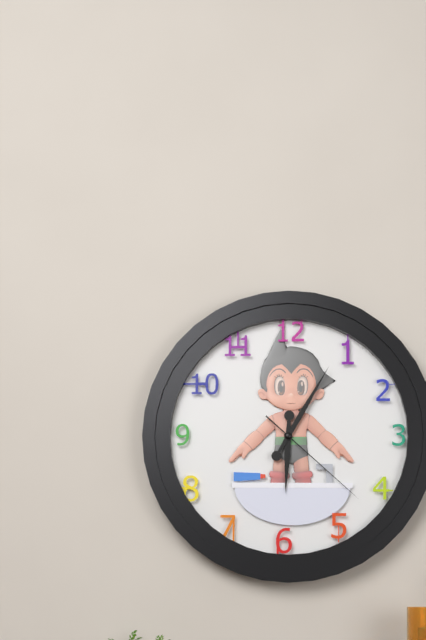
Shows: h=6 m=5 s=22
